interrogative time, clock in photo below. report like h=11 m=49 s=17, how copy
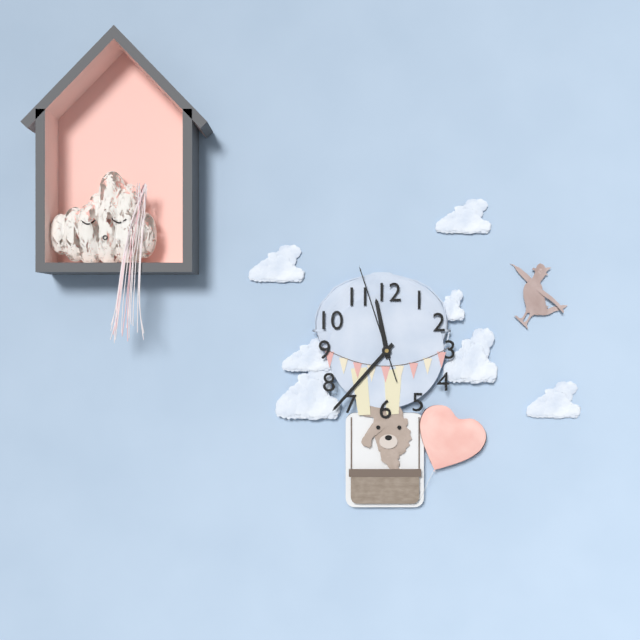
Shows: h=11 m=37 s=57
